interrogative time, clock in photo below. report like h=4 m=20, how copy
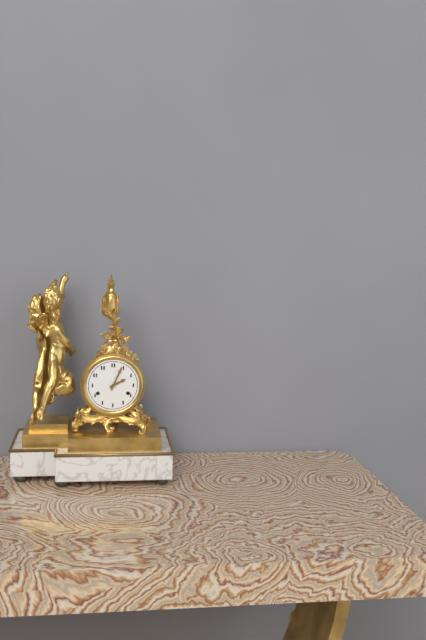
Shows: h=2 m=4
